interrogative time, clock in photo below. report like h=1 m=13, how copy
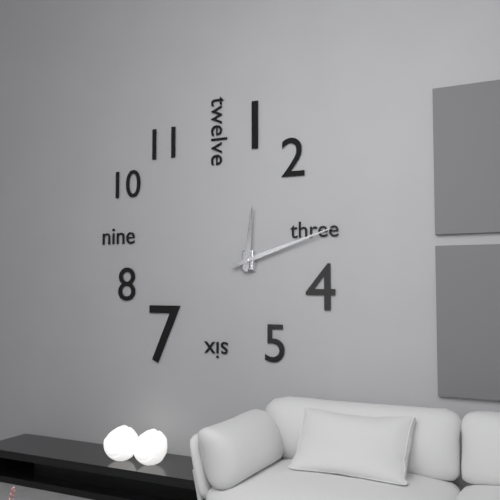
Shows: h=12 m=12
